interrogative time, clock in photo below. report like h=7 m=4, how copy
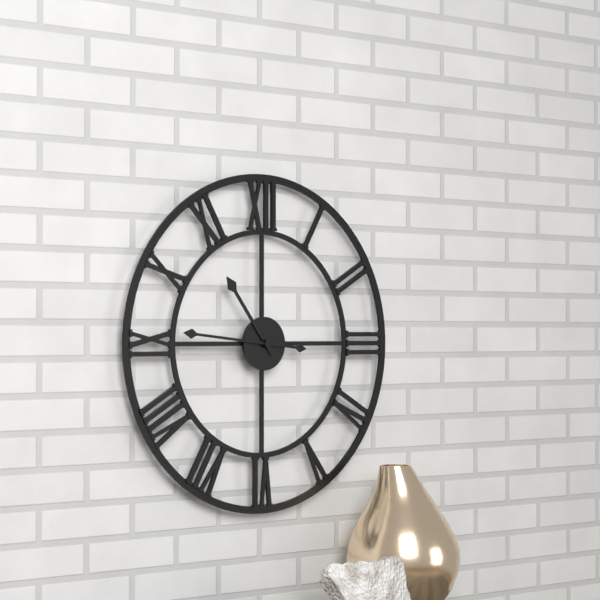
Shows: h=10 m=46
